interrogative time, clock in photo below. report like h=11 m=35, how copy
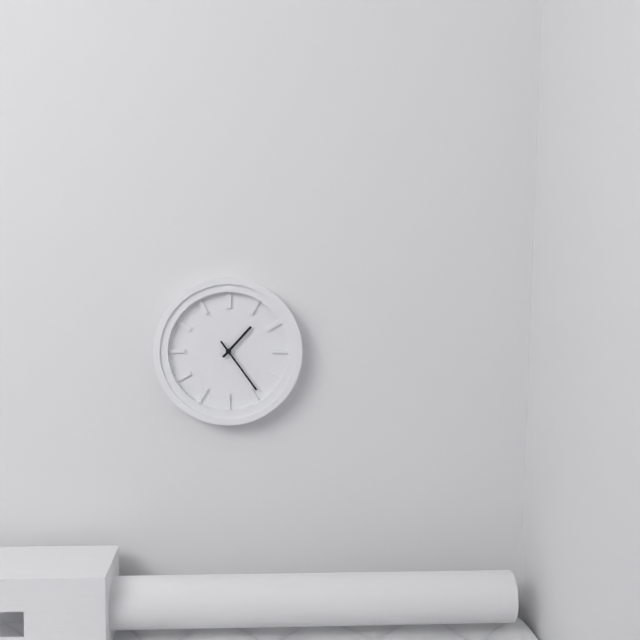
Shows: h=1 m=24
